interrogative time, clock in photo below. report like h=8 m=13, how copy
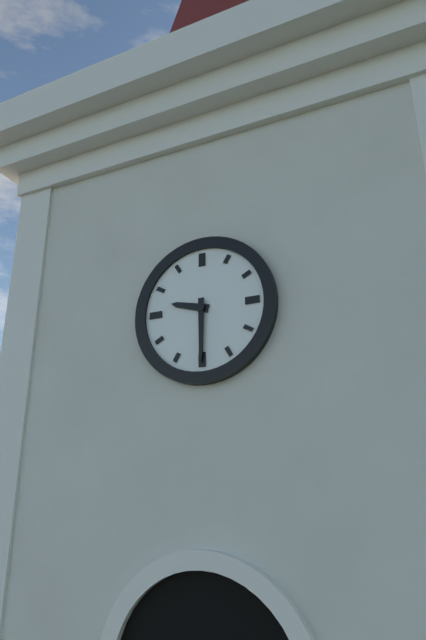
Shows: h=9 m=30
